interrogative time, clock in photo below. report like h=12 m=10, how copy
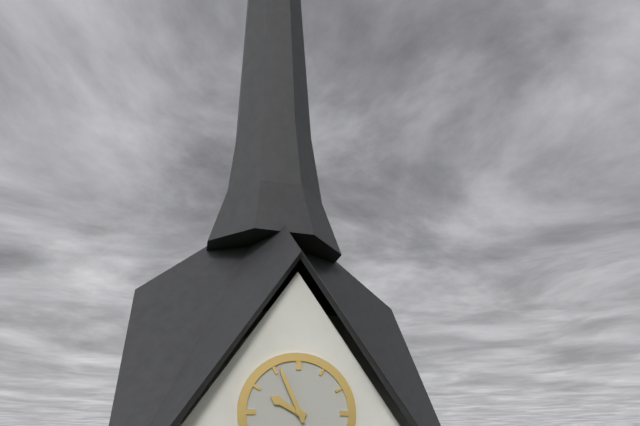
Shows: h=9 m=56
